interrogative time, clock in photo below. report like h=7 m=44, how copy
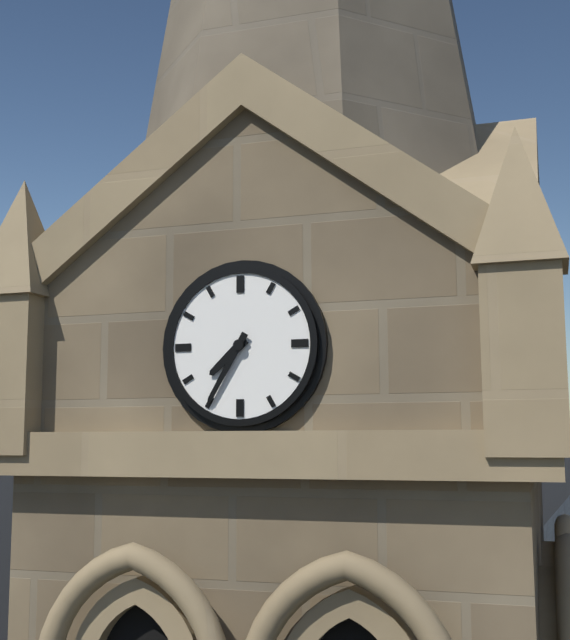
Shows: h=7 m=35
